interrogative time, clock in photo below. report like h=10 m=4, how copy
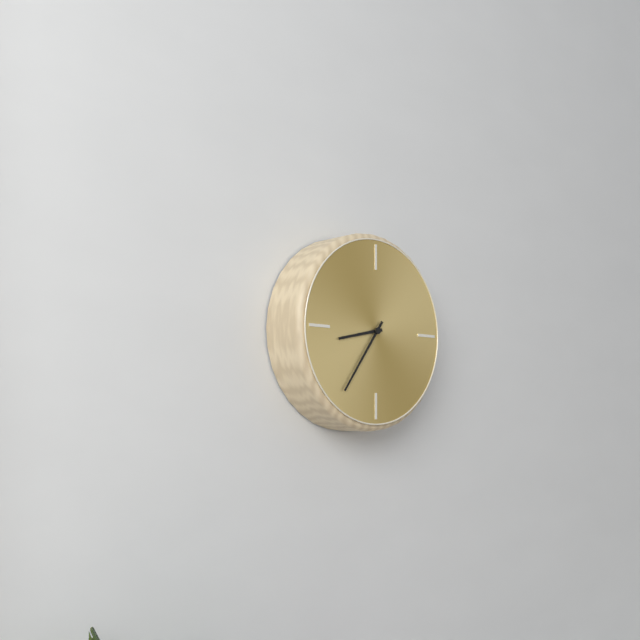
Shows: h=8 m=36
